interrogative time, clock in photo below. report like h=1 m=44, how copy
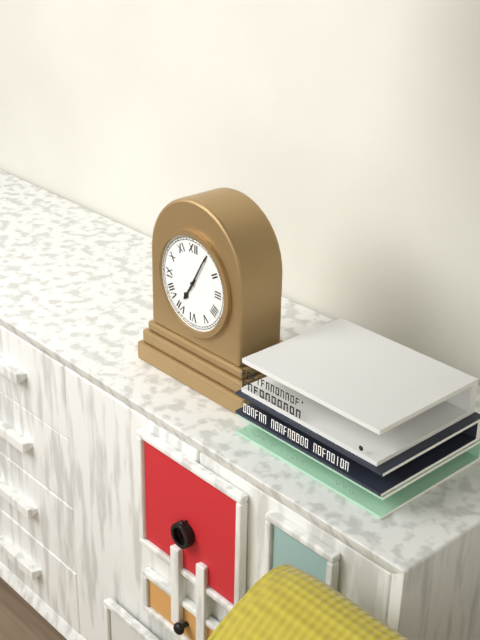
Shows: h=7 m=5
